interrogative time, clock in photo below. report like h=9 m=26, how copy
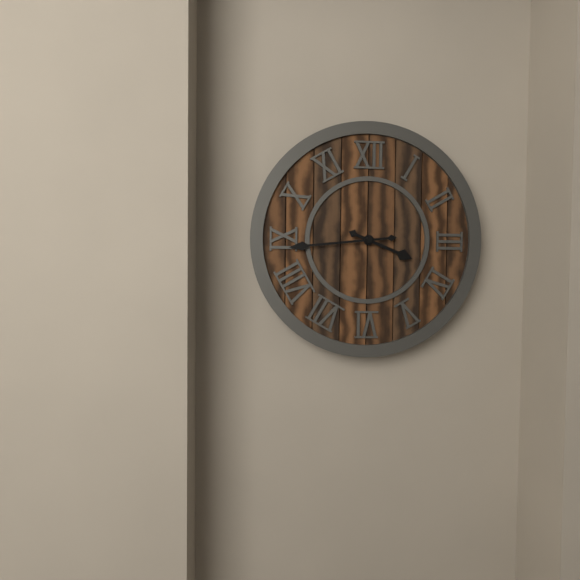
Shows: h=3 m=44
